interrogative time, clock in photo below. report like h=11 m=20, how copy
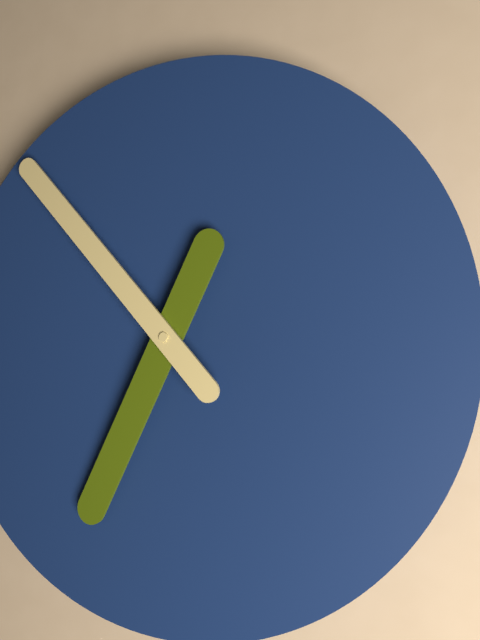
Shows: h=6 m=53
